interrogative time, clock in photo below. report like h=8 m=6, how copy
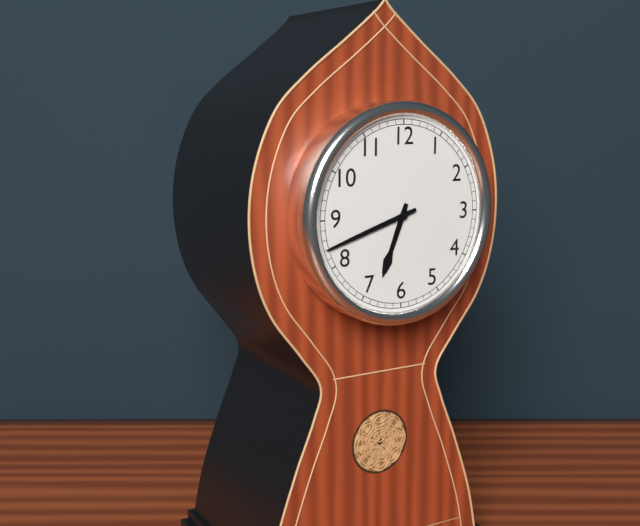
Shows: h=6 m=42
